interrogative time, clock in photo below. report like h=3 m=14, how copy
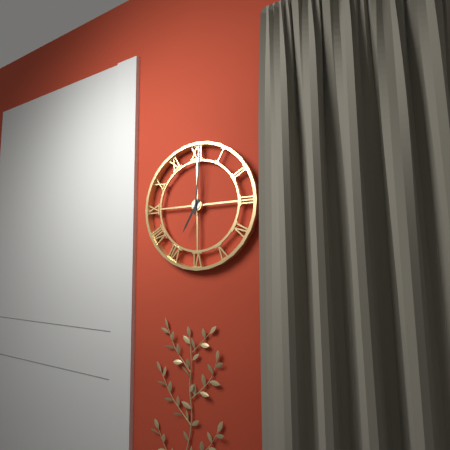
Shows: h=7 m=1
